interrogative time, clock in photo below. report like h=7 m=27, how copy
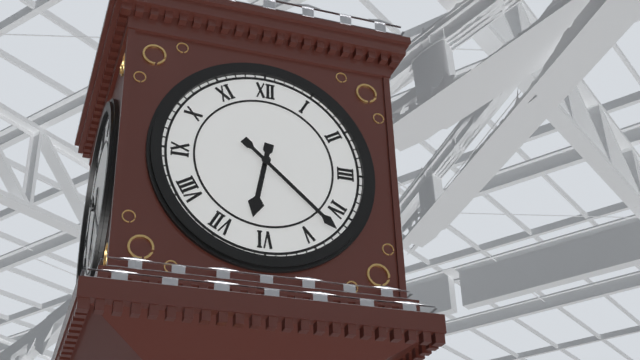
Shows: h=6 m=22
